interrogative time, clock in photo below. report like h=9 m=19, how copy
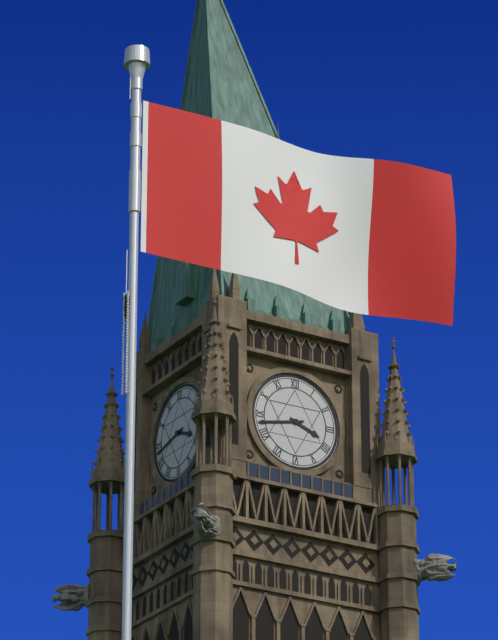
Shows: h=3 m=43
